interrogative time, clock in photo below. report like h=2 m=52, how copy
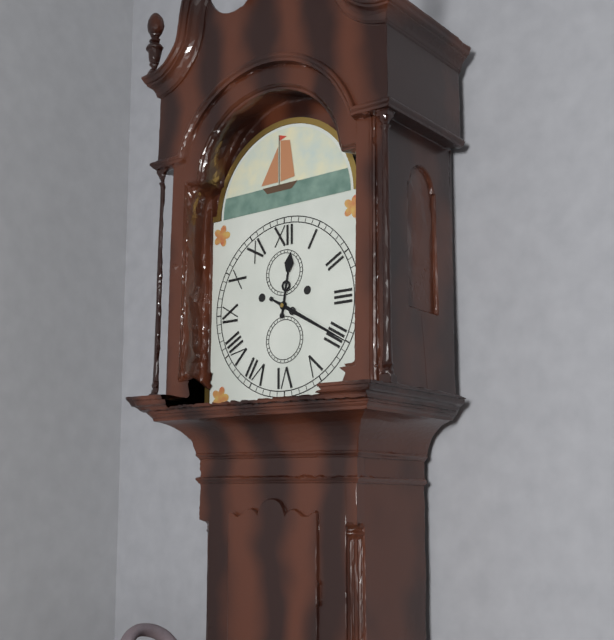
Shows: h=12 m=20
